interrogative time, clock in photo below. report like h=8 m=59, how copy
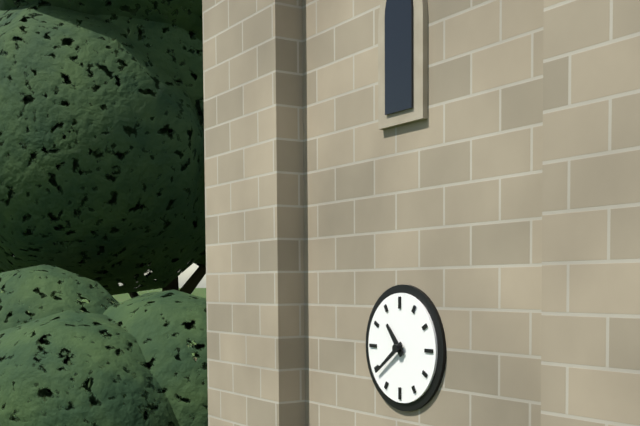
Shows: h=10 m=39
